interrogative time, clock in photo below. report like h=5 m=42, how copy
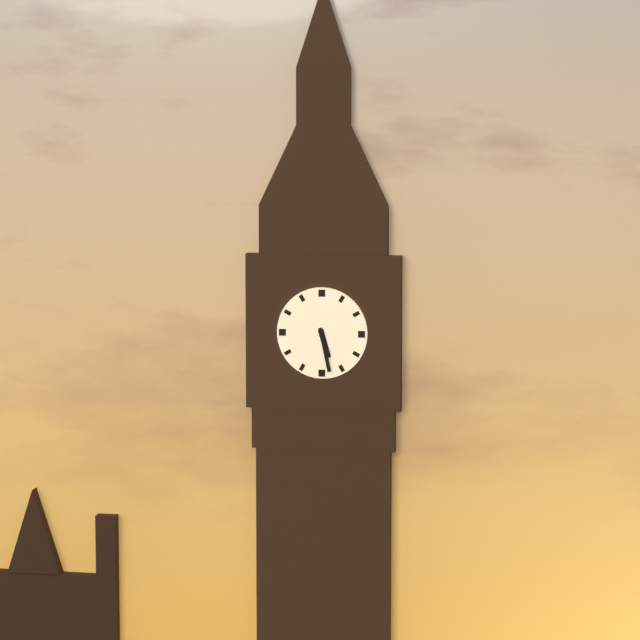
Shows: h=5 m=28
